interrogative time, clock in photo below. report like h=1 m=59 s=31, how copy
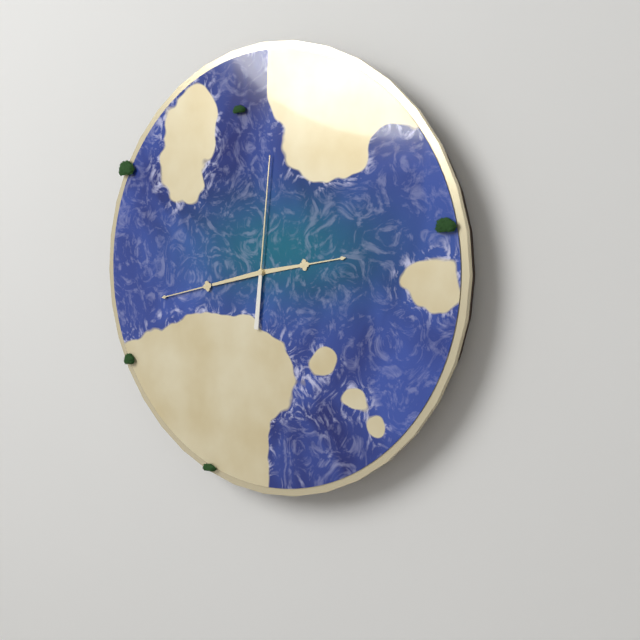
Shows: h=2 m=43 s=1
